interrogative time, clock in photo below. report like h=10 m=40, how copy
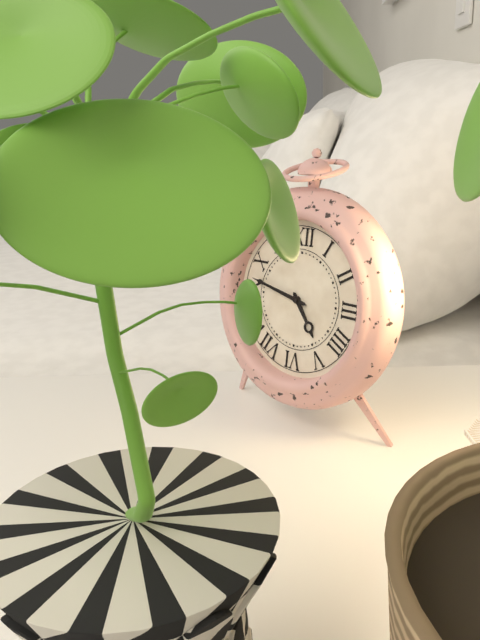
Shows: h=4 m=47
